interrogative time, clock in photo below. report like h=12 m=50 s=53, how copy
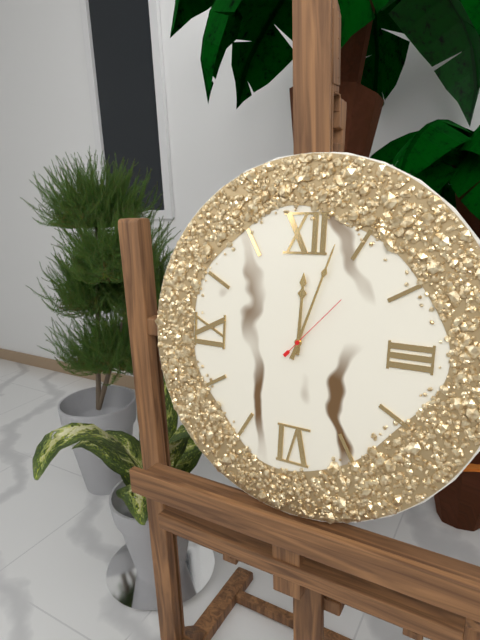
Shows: h=12 m=3 s=7
